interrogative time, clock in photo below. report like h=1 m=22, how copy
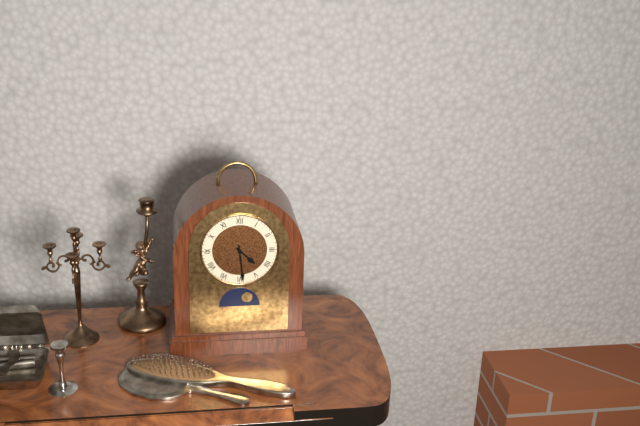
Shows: h=4 m=29
